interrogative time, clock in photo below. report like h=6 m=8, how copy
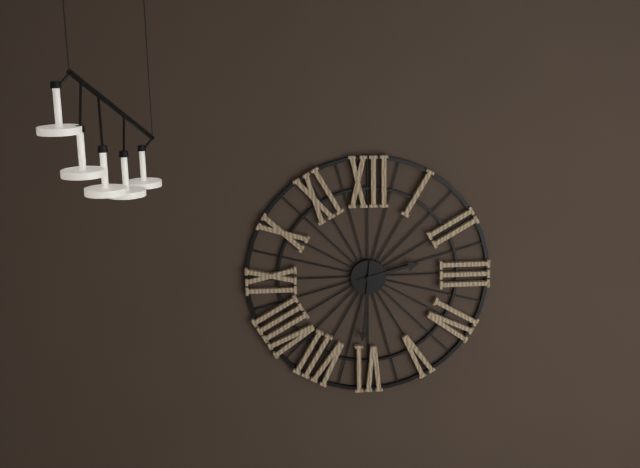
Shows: h=2 m=31
